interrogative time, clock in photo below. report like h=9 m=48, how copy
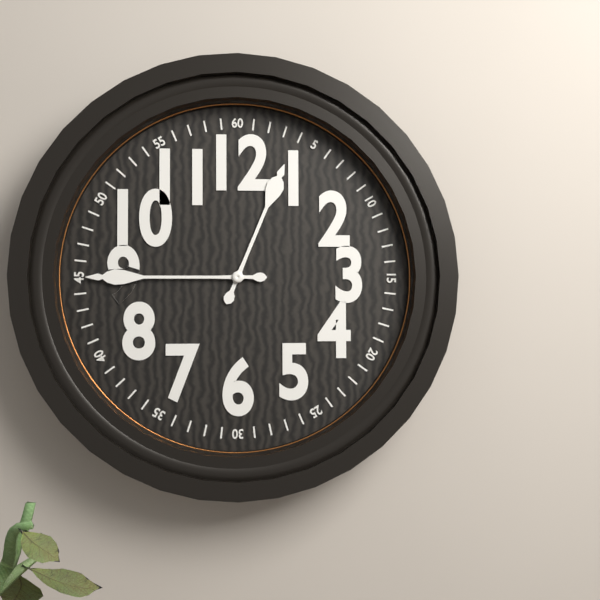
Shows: h=12 m=45
